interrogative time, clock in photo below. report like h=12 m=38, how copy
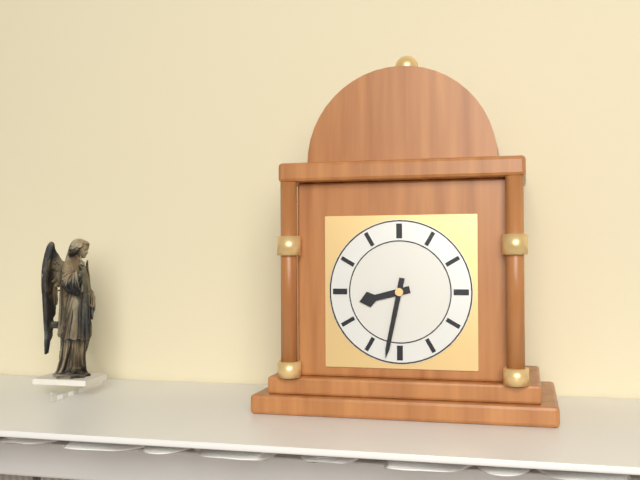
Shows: h=8 m=32
